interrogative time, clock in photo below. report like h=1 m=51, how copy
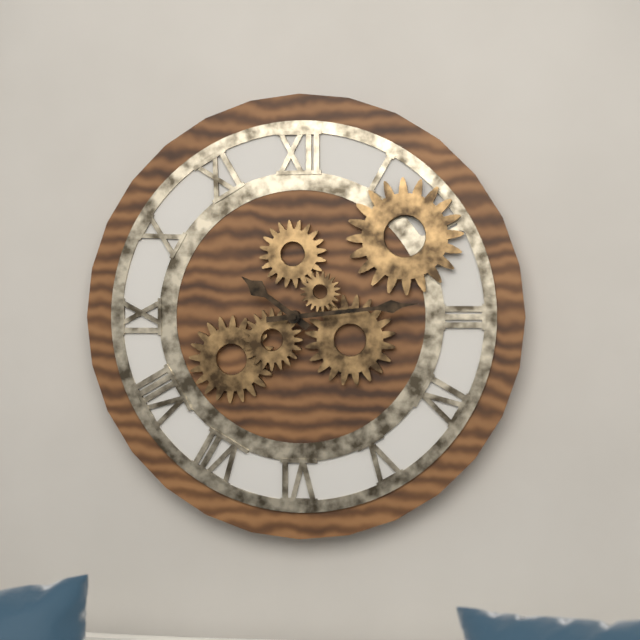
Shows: h=10 m=14
